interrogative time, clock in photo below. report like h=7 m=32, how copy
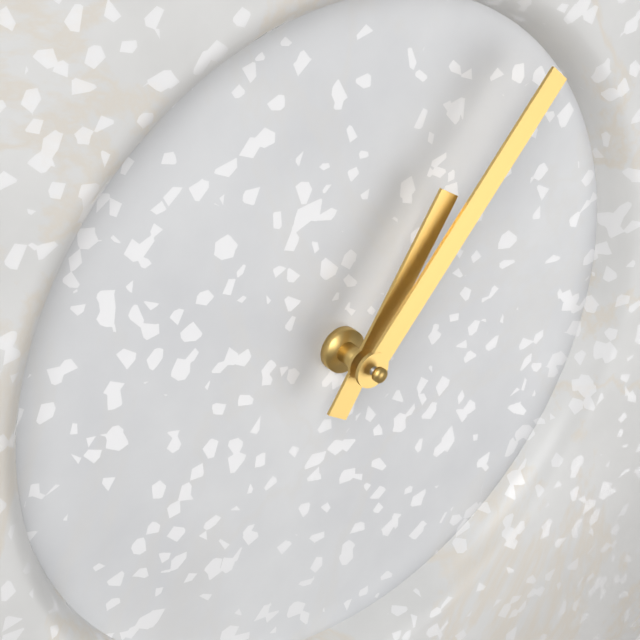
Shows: h=1 m=7
